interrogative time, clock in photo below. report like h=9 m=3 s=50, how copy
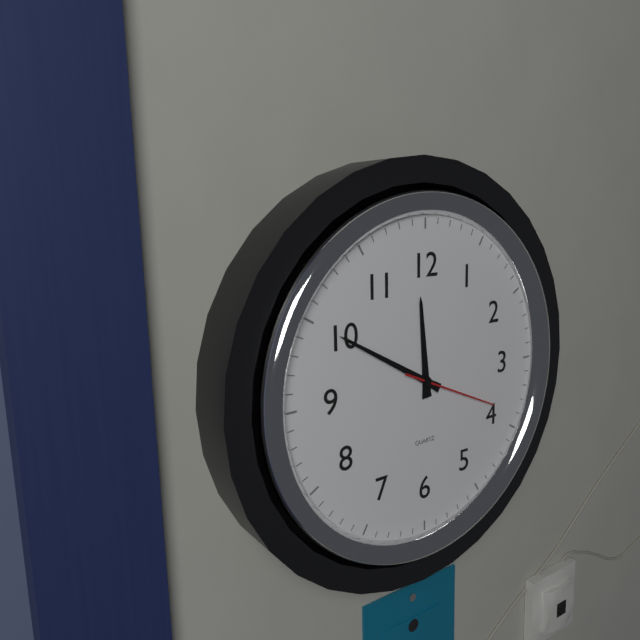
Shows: h=11 m=50 s=19
